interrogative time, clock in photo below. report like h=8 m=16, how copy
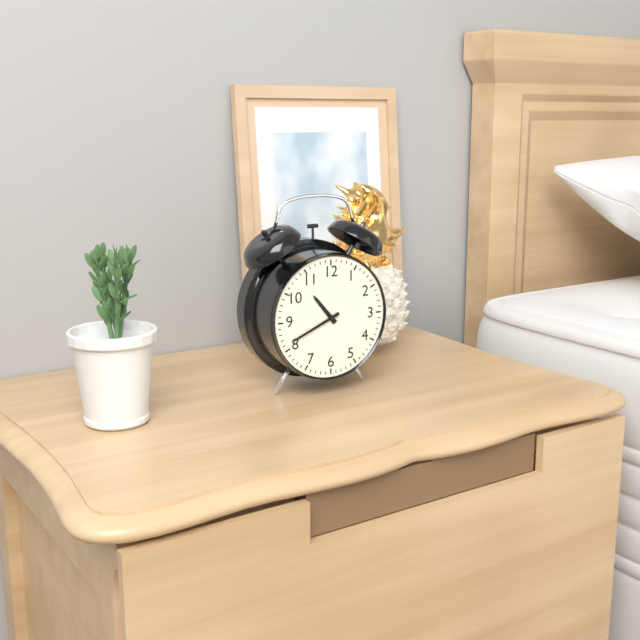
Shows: h=10 m=41
